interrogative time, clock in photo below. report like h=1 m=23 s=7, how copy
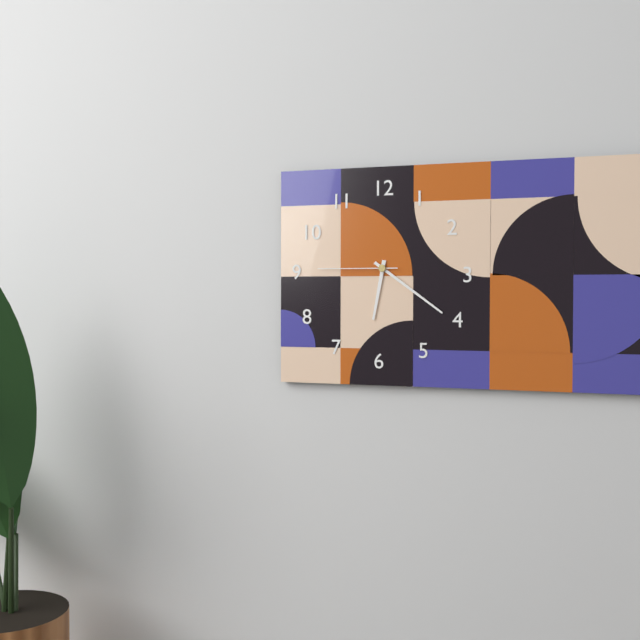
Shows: h=6 m=21 s=45
